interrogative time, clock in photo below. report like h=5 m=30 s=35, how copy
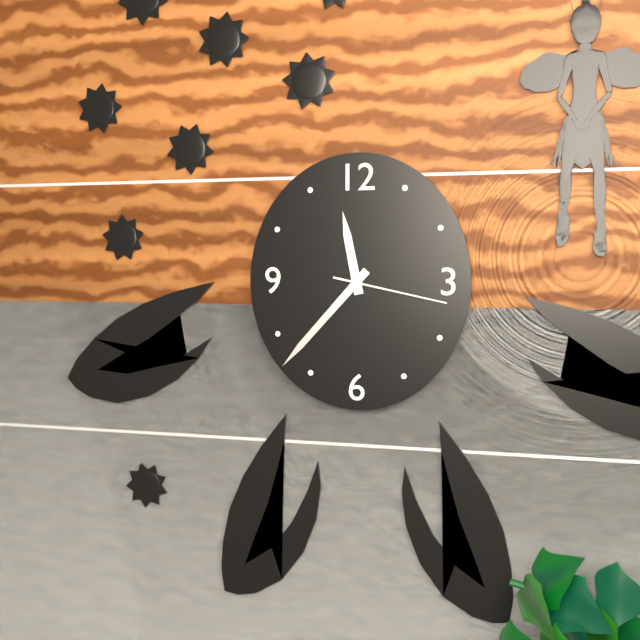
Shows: h=11 m=37 s=17
